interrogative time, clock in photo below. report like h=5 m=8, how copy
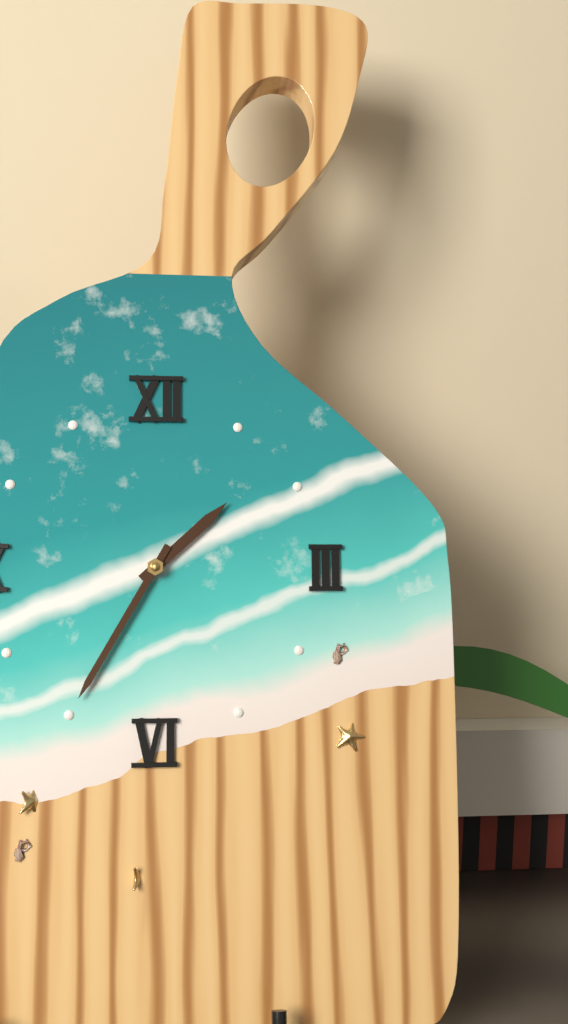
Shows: h=1 m=35
